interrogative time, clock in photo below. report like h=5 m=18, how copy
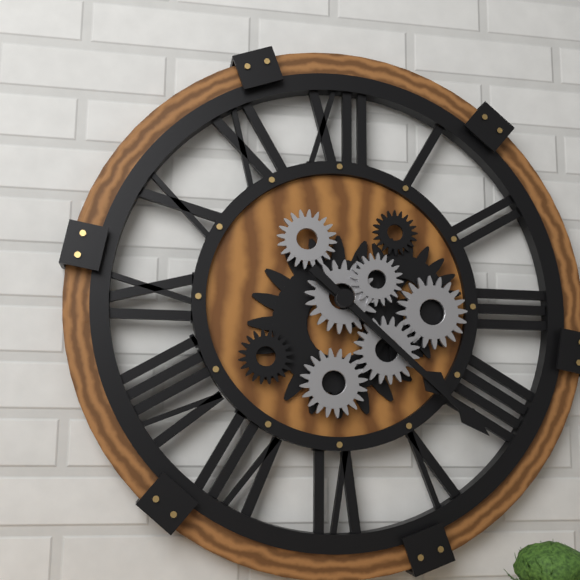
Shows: h=4 m=22
